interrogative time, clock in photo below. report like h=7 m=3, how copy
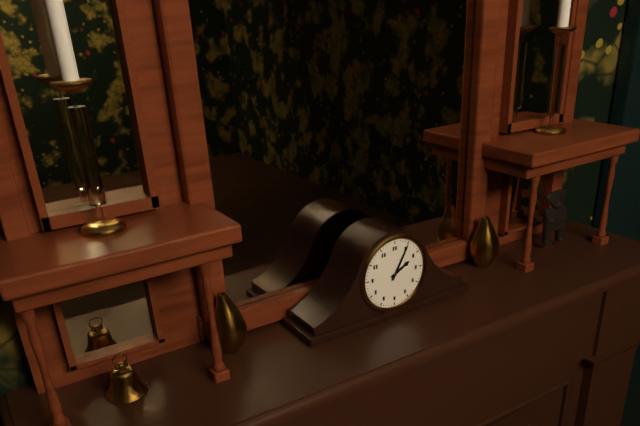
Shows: h=2 m=5
